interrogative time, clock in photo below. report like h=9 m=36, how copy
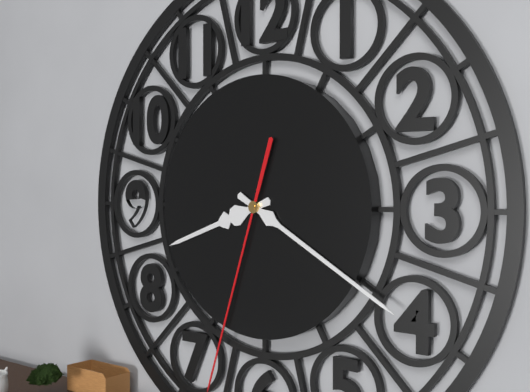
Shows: h=8 m=20
